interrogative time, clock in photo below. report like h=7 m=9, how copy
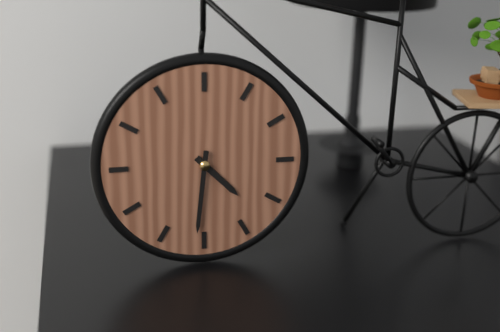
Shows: h=4 m=31
